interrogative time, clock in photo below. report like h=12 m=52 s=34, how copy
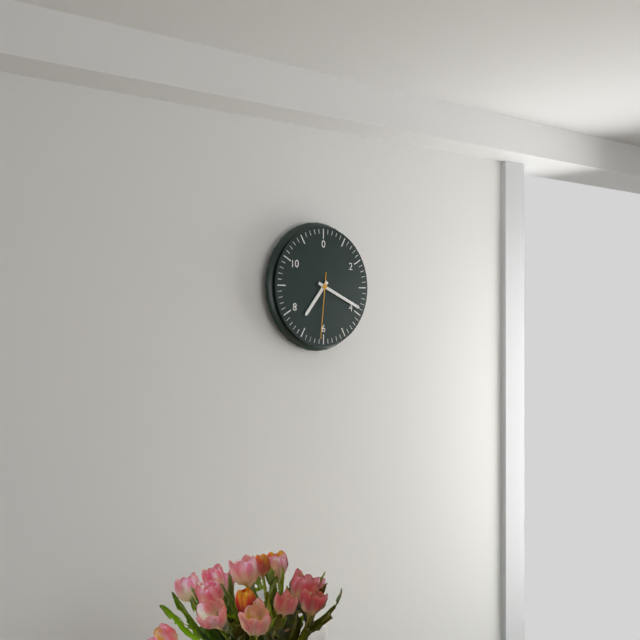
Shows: h=7 m=19 s=31
